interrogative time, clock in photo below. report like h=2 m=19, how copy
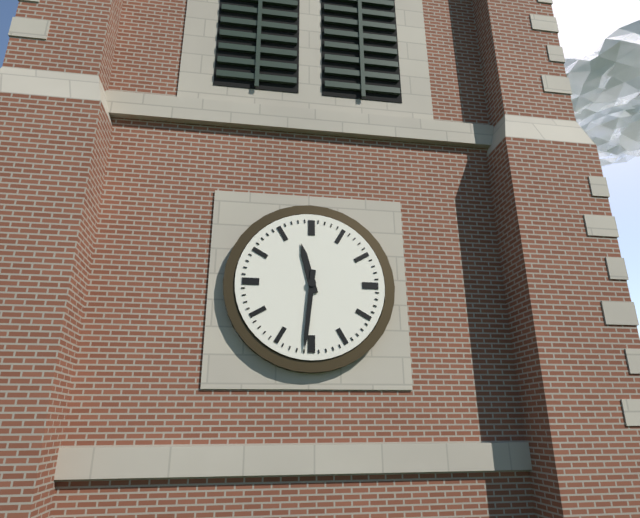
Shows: h=11 m=31
